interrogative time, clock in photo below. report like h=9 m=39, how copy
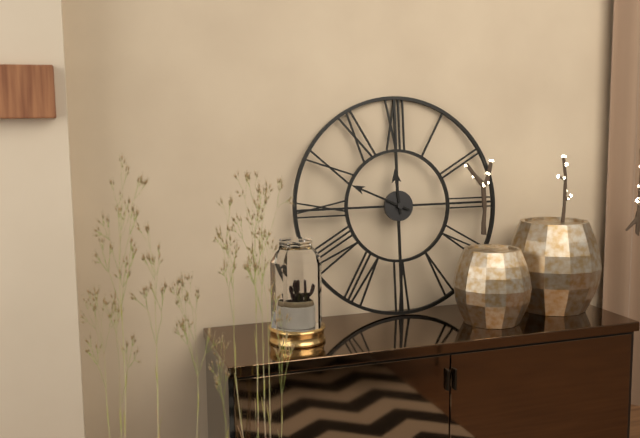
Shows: h=11 m=49
